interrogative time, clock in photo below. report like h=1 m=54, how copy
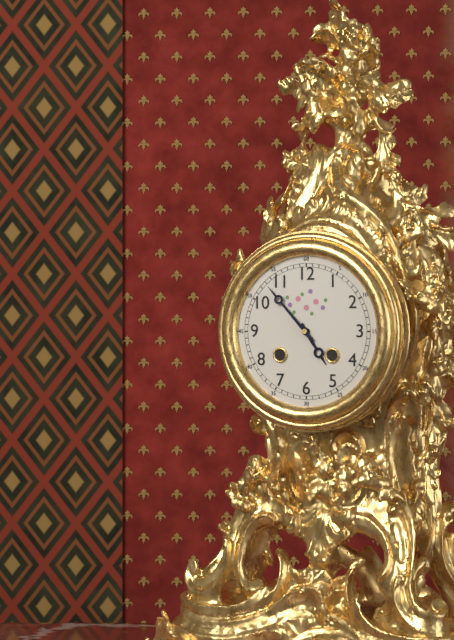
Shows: h=4 m=53
